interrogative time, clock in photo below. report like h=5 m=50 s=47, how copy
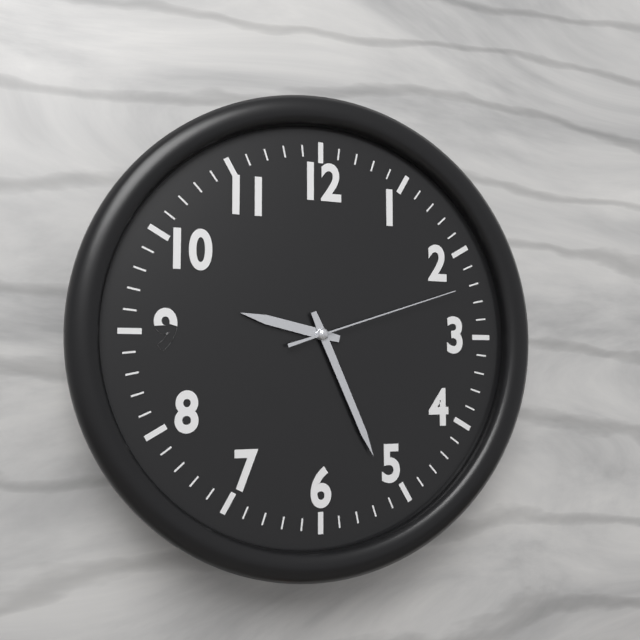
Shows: h=9 m=26 s=12
